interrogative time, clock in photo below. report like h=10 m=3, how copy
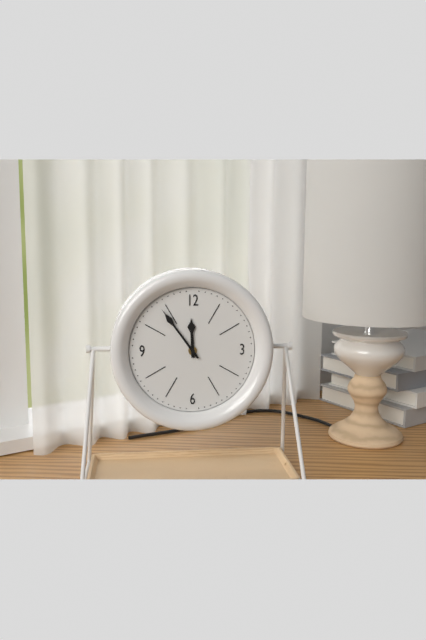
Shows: h=11 m=54
